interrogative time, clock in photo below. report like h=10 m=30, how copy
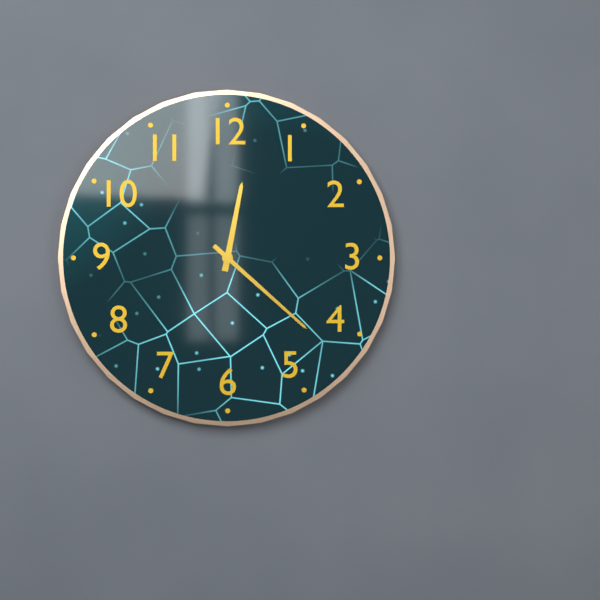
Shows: h=12 m=22
